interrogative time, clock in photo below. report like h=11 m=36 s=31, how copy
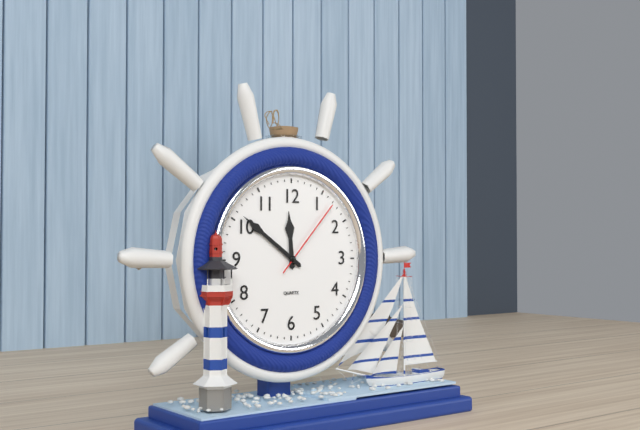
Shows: h=11 m=51 s=7
